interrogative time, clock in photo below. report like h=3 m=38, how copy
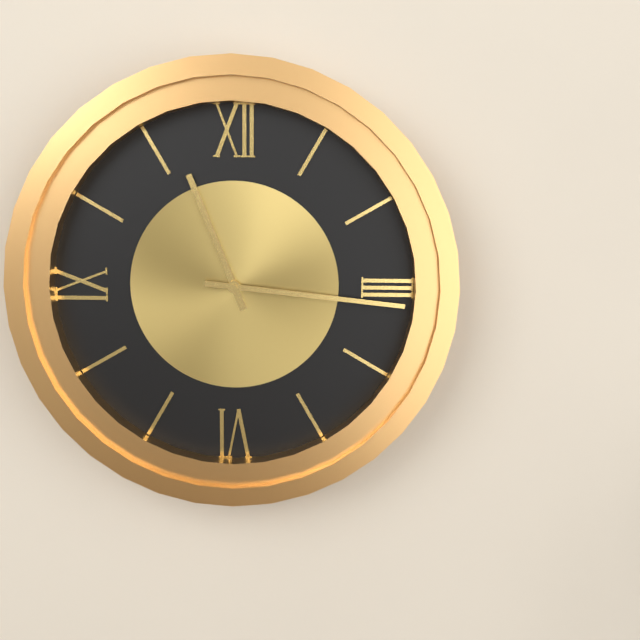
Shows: h=11 m=16
